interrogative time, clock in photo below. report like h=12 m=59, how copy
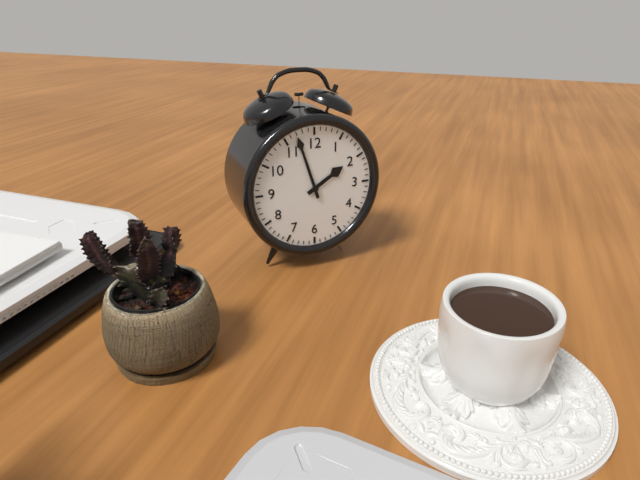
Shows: h=1 m=57
